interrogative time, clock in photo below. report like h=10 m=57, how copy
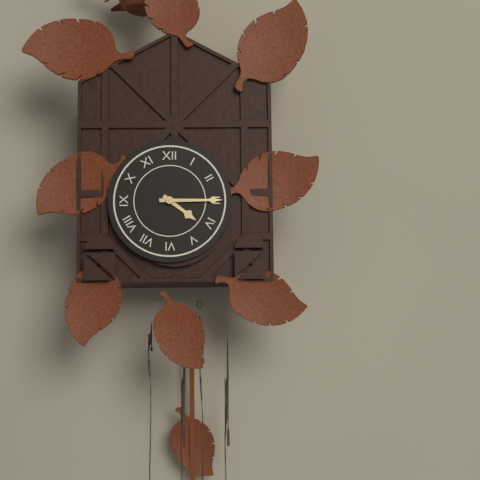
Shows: h=4 m=15
